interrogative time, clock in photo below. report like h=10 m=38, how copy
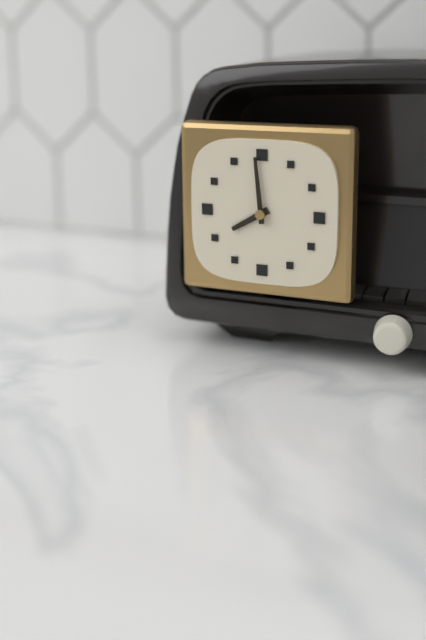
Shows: h=7 m=59
